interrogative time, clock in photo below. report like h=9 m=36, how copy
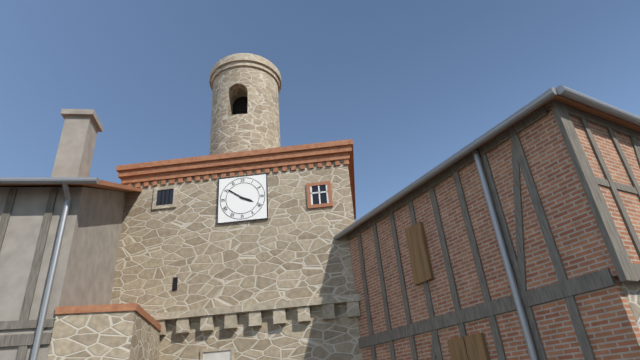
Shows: h=3 m=51
